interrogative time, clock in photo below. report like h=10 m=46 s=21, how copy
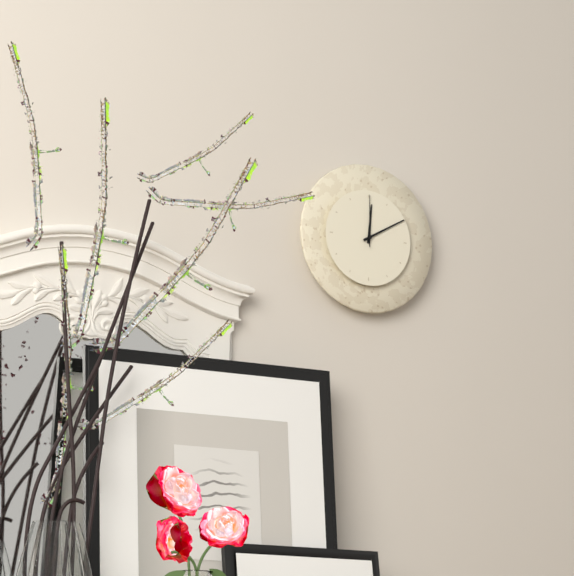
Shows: h=12 m=10 s=0
